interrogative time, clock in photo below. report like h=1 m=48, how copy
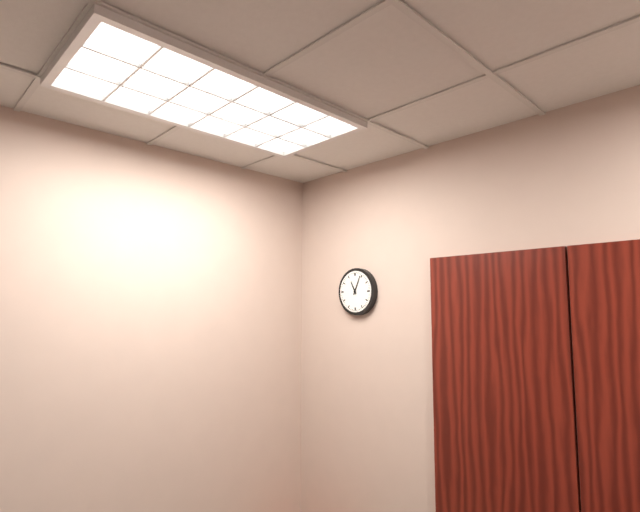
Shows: h=11 m=4
